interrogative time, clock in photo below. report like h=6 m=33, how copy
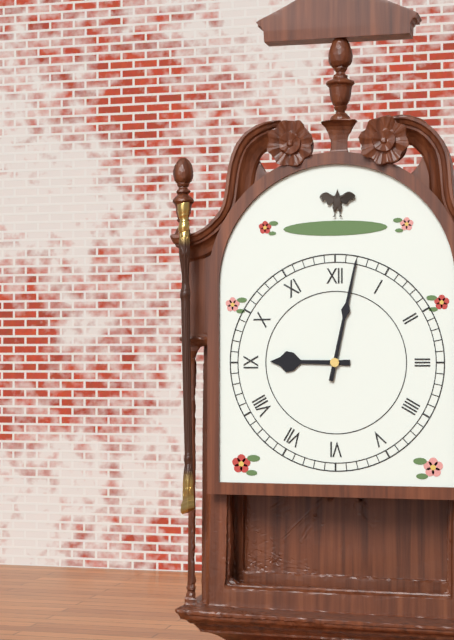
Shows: h=9 m=2
